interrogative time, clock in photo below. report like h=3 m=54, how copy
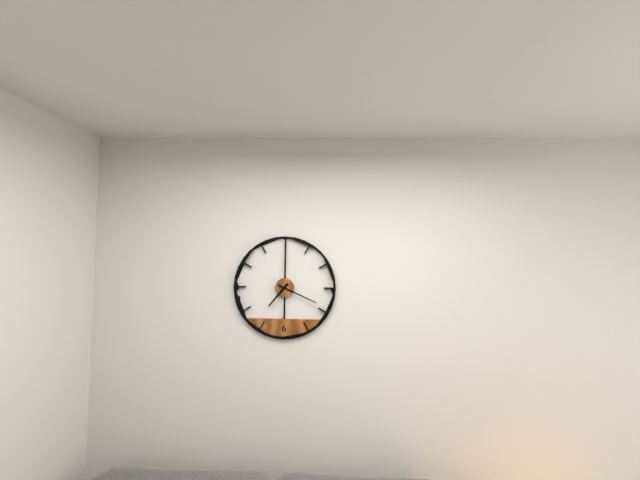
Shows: h=7 m=19
